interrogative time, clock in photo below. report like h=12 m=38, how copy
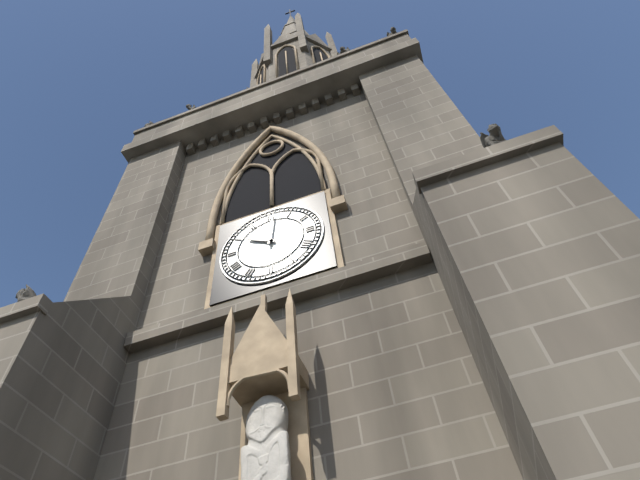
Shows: h=10 m=1
